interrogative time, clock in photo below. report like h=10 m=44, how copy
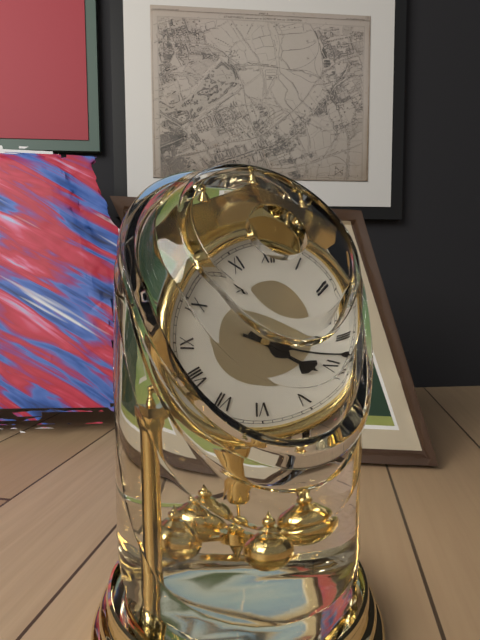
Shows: h=4 m=18
